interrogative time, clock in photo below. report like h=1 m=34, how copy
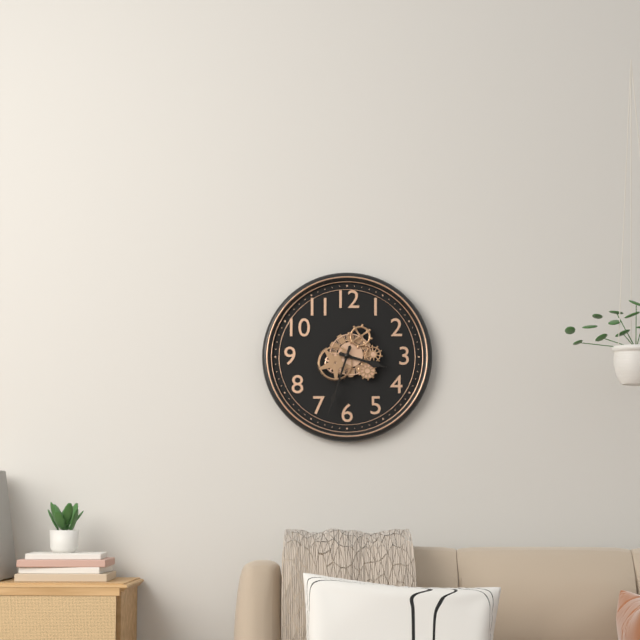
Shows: h=3 m=33
